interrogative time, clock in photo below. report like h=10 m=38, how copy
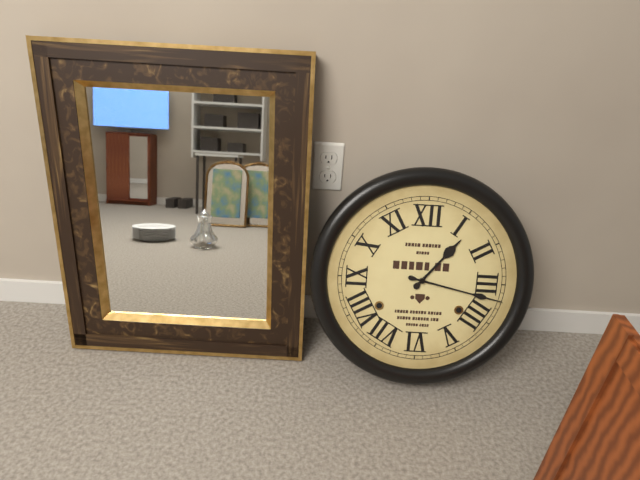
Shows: h=1 m=17
